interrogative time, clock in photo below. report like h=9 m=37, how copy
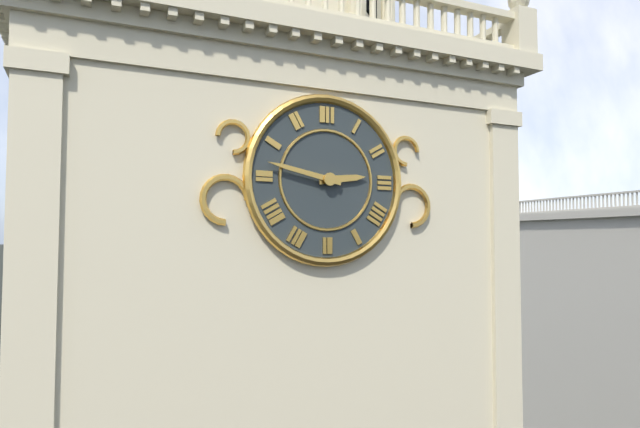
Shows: h=2 m=47
